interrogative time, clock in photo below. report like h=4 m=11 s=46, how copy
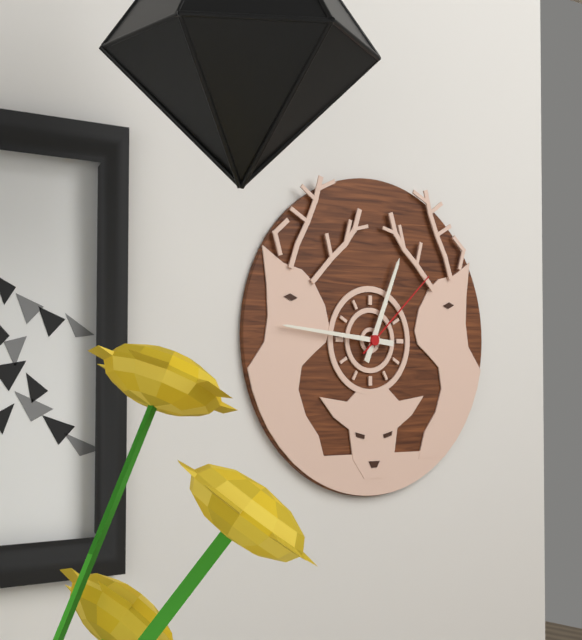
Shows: h=12 m=46 s=8
